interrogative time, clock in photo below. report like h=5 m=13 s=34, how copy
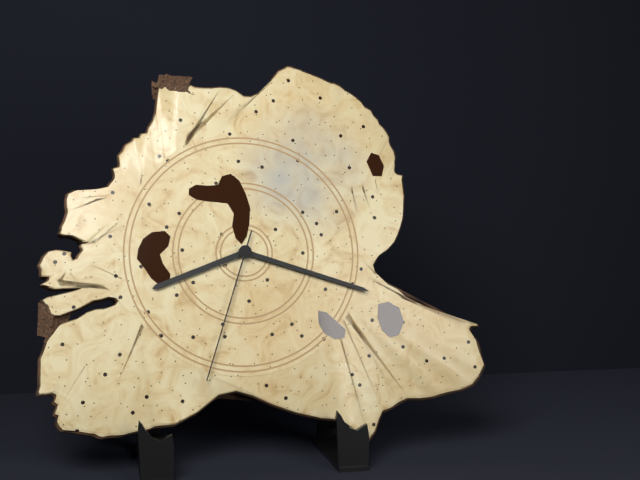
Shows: h=8 m=18 s=33
